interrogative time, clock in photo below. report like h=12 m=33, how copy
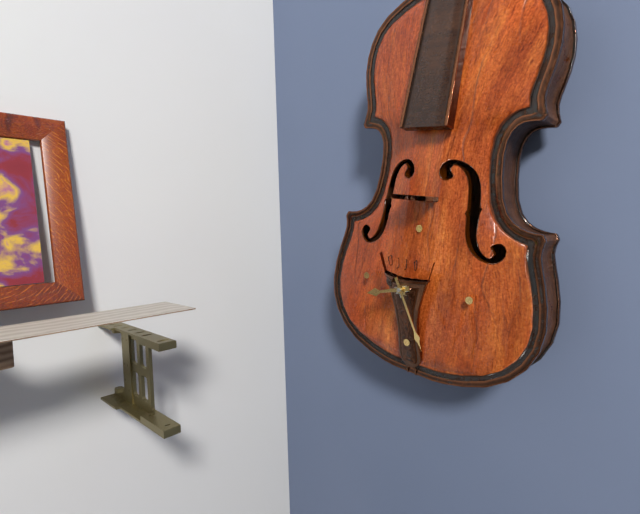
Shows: h=8 m=25
